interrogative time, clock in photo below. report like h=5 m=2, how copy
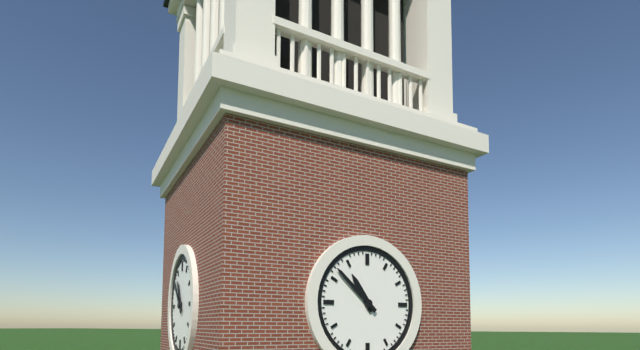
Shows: h=10 m=52
